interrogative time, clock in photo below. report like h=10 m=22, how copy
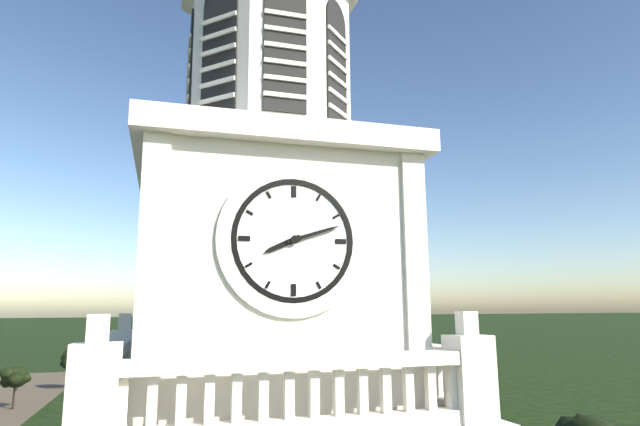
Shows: h=8 m=12
